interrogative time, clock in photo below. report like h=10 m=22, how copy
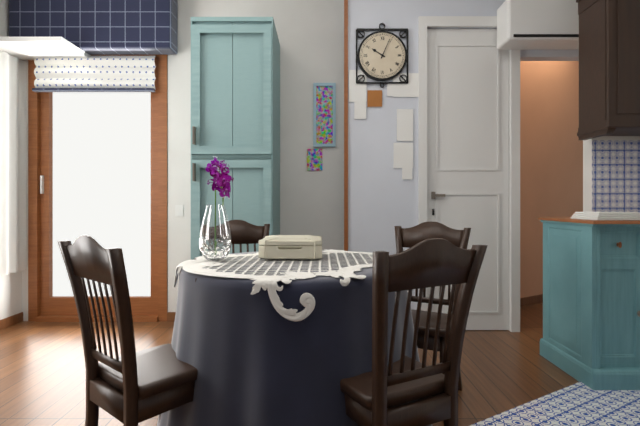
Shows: h=10 m=4
